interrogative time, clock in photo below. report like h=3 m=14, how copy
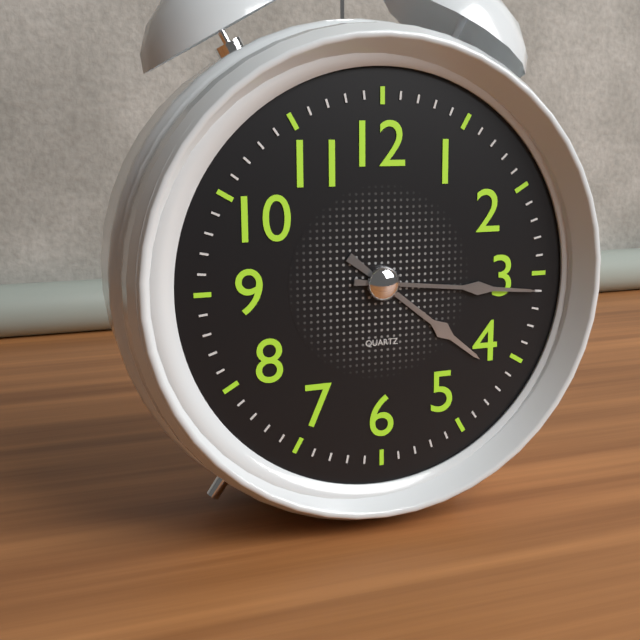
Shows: h=4 m=16
